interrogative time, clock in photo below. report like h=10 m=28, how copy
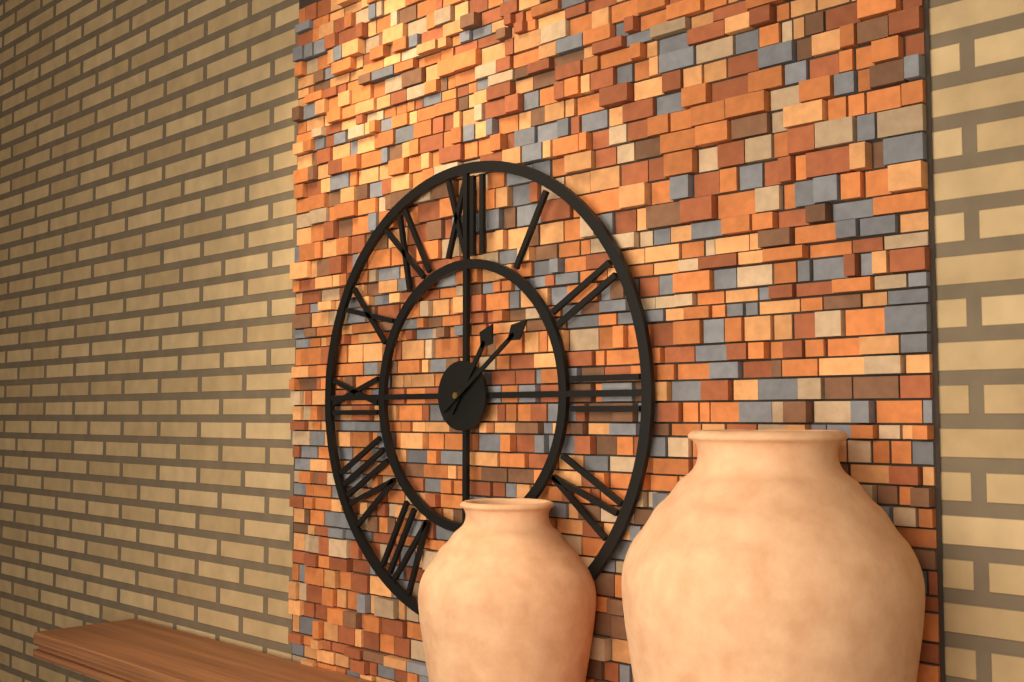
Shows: h=1 m=9
